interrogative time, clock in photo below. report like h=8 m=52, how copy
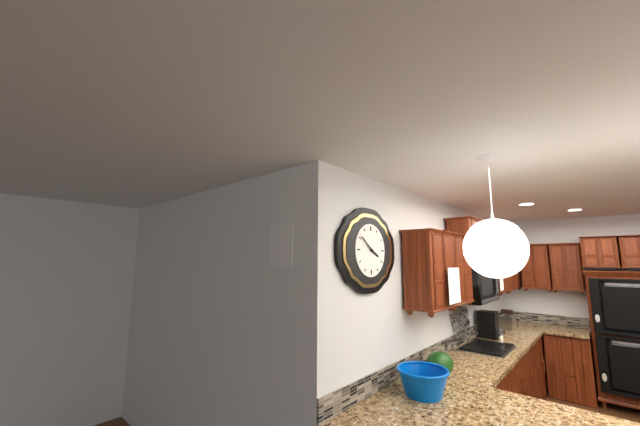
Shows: h=3 m=51
